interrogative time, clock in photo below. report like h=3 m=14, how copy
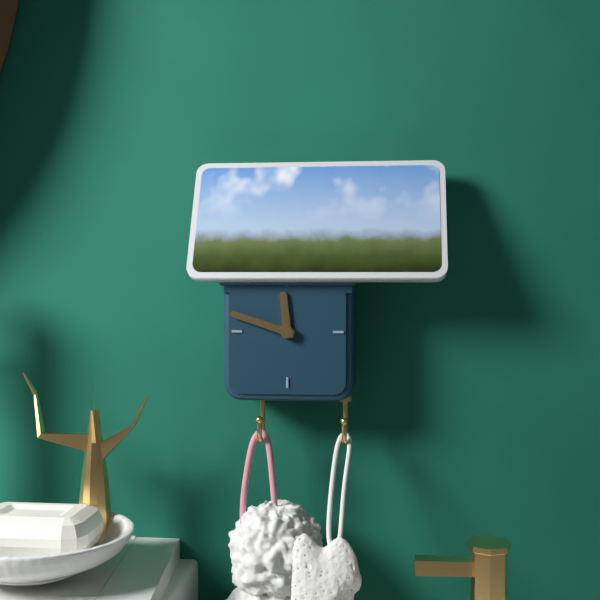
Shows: h=11 m=48
